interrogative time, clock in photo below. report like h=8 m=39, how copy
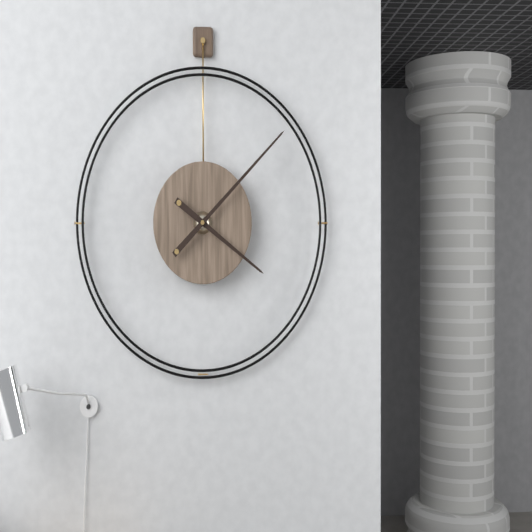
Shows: h=4 m=8
